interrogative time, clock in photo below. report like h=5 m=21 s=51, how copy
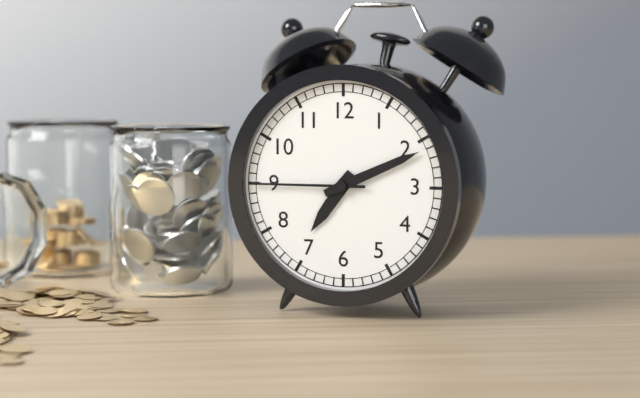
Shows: h=7 m=11 s=45
